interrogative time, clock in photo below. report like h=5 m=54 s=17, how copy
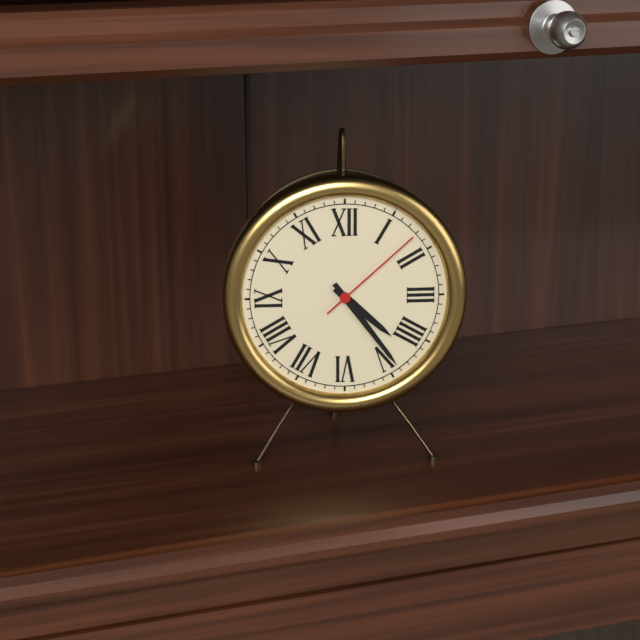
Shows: h=4 m=24 s=8
